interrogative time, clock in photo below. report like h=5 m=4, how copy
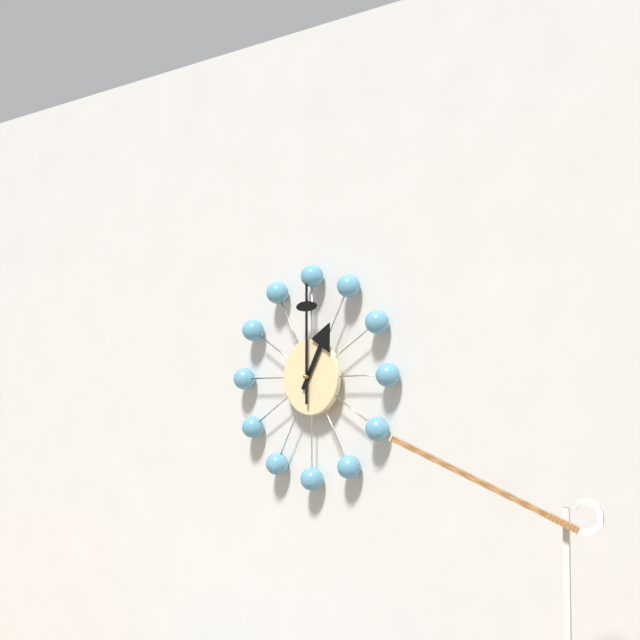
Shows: h=1 m=0
